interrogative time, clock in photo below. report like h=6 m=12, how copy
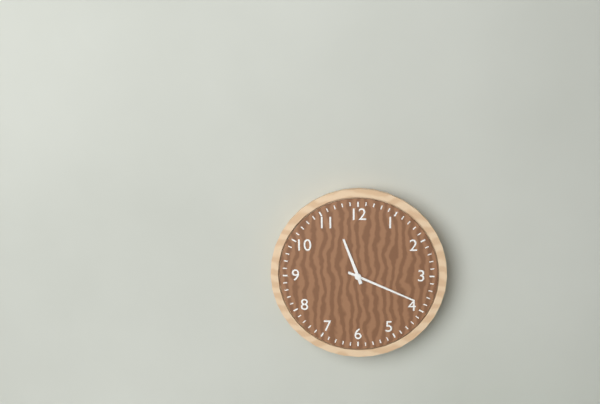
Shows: h=11 m=19
